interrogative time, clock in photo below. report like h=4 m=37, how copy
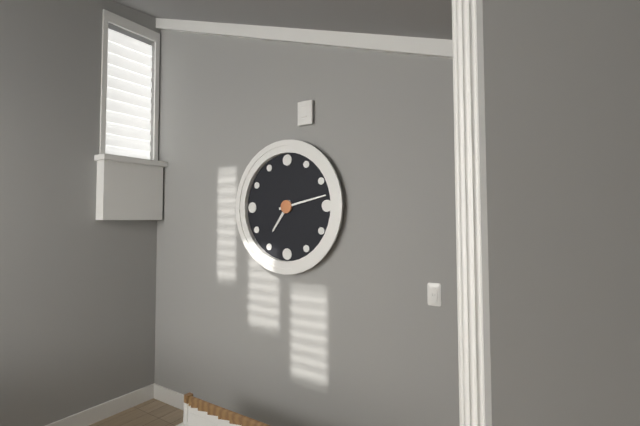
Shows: h=7 m=13
